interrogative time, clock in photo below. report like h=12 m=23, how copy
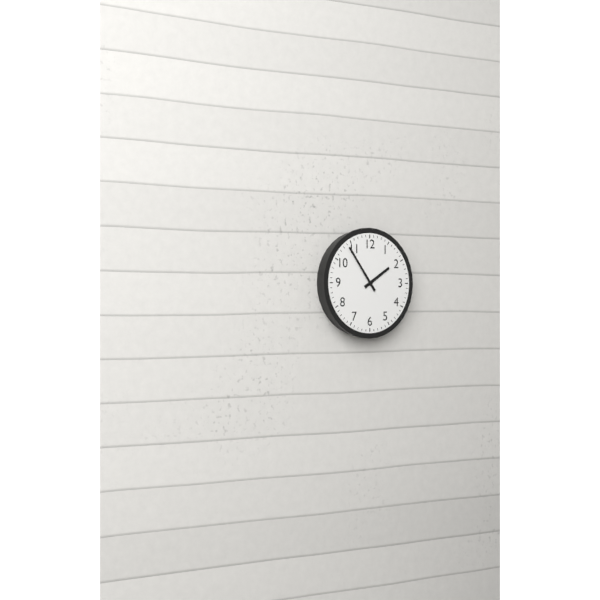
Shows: h=1 m=54
